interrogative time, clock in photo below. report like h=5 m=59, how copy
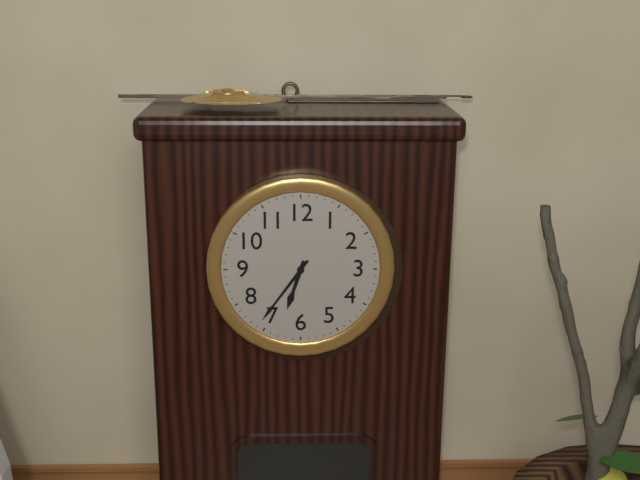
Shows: h=6 m=36
